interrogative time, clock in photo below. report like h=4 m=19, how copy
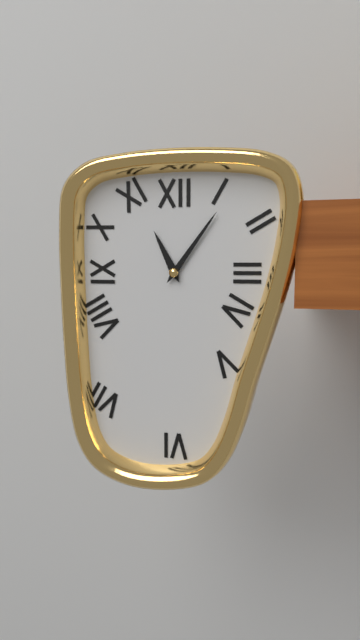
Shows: h=11 m=6
